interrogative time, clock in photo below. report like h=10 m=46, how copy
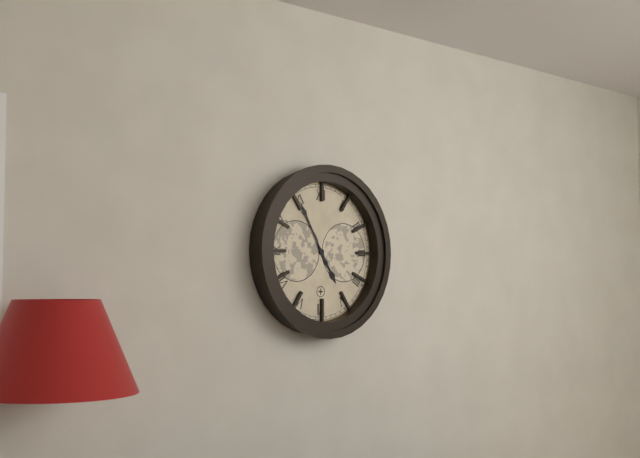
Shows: h=4 m=55
